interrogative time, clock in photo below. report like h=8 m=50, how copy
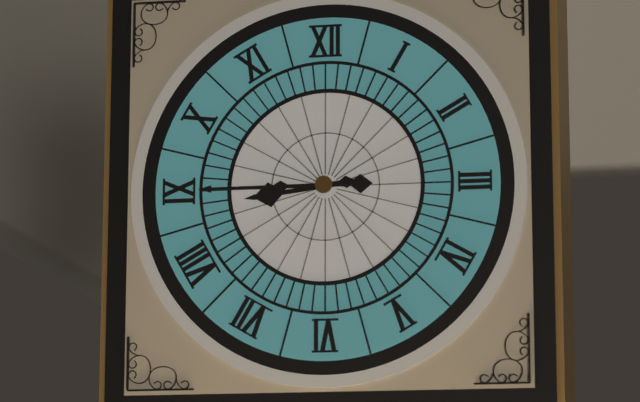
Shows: h=8 m=45
